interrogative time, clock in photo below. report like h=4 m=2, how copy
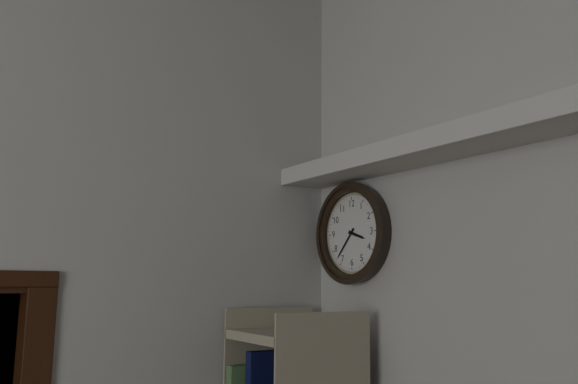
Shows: h=3 m=37
